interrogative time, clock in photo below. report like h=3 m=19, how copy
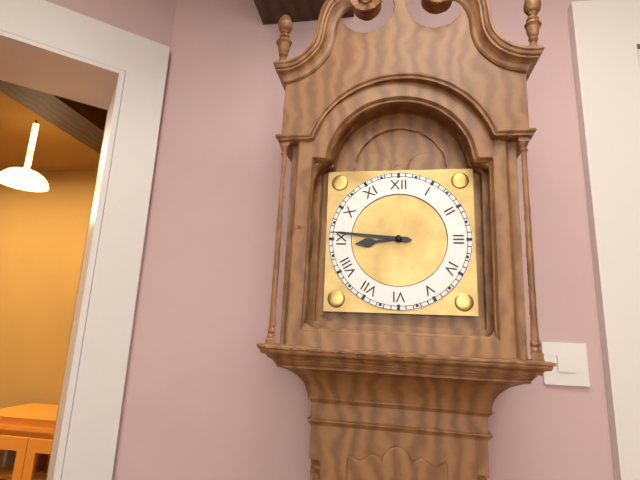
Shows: h=8 m=46
